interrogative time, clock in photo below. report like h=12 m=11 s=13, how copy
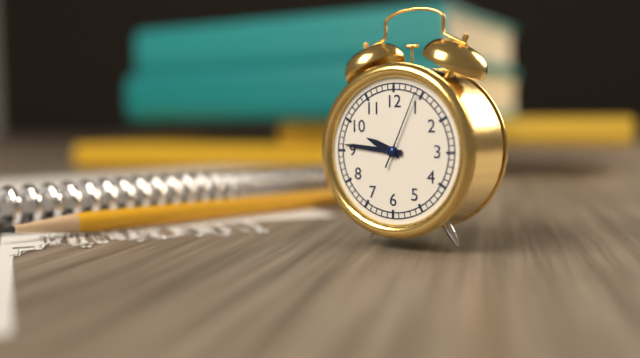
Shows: h=9 m=46 s=4
